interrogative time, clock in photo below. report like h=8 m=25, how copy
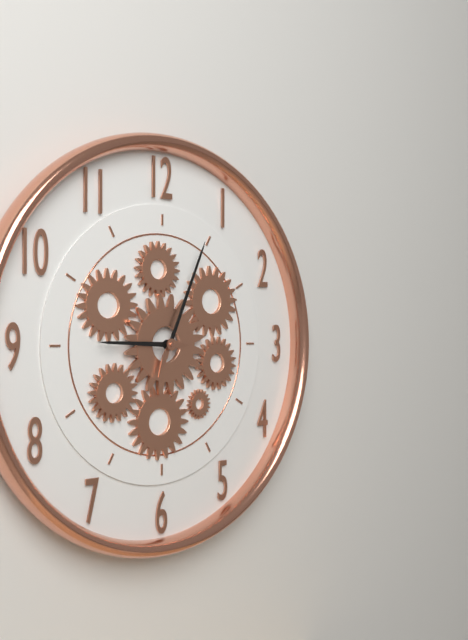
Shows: h=9 m=4
